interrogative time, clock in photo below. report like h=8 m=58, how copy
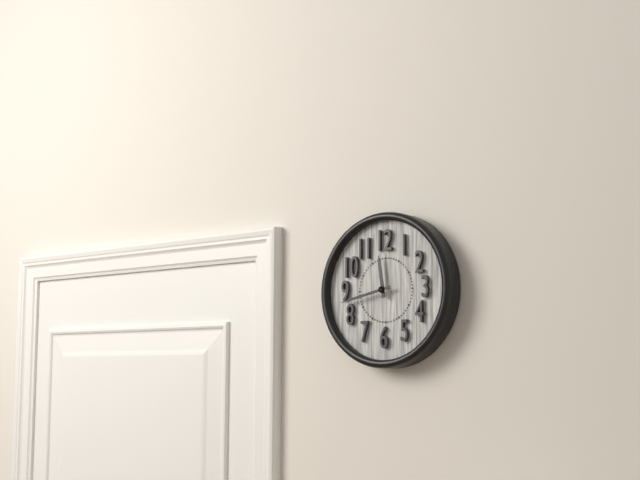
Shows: h=11 m=43
